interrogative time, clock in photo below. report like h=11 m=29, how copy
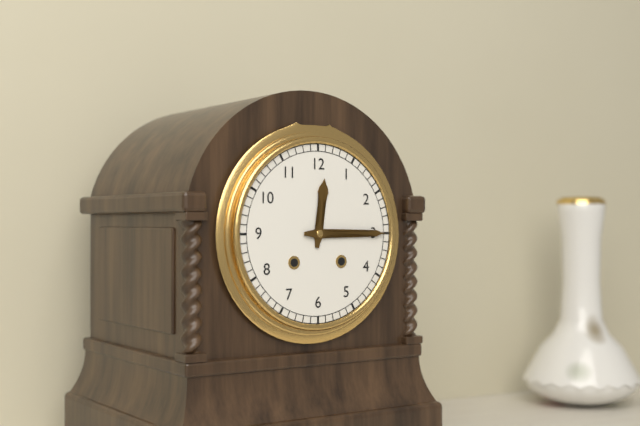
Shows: h=12 m=15
